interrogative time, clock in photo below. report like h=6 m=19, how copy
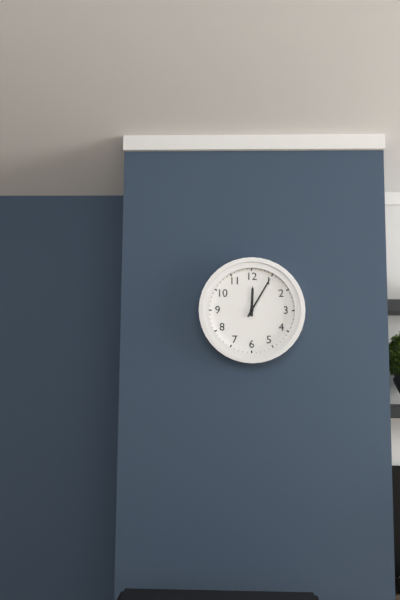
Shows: h=12 m=5
